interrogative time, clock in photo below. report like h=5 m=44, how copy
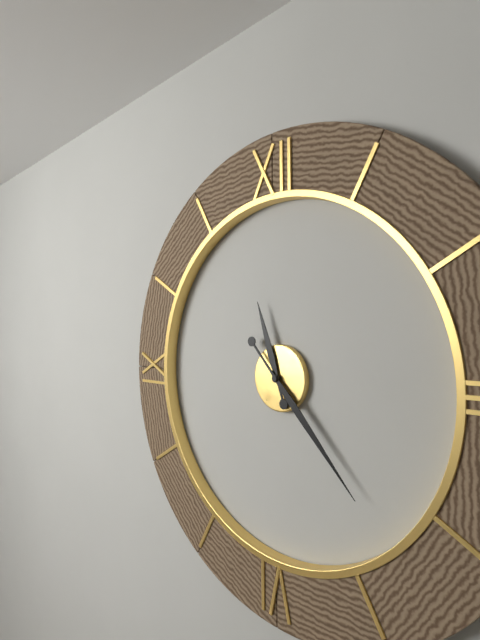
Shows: h=11 m=23
